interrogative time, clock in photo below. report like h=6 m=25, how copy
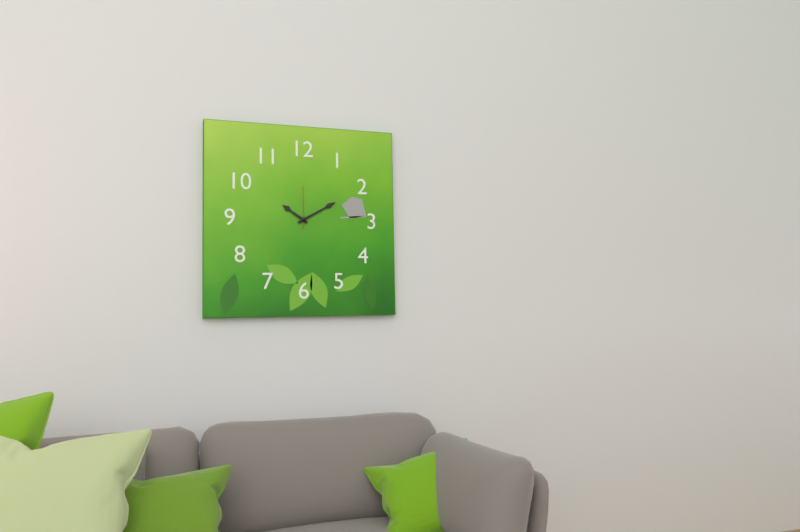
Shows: h=10 m=10
